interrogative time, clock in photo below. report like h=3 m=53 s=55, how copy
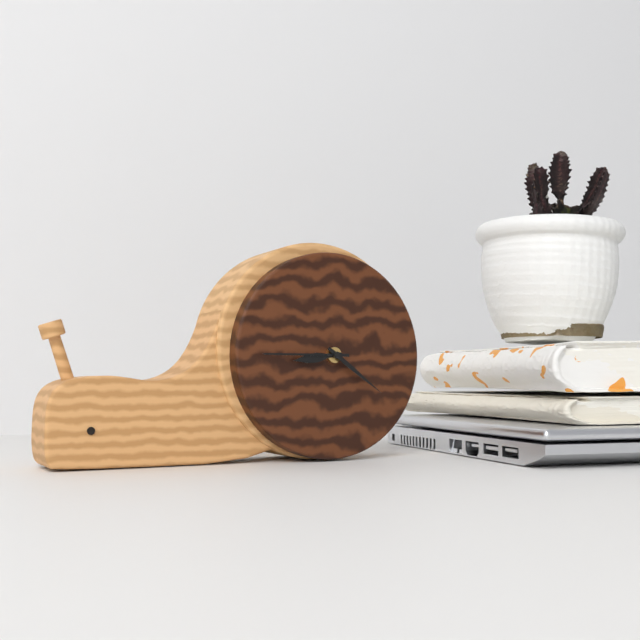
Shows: h=8 m=45 s=21
